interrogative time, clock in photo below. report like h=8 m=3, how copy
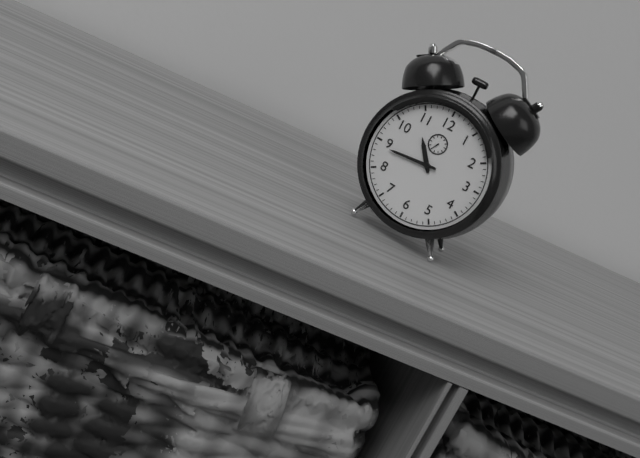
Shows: h=10 m=44
